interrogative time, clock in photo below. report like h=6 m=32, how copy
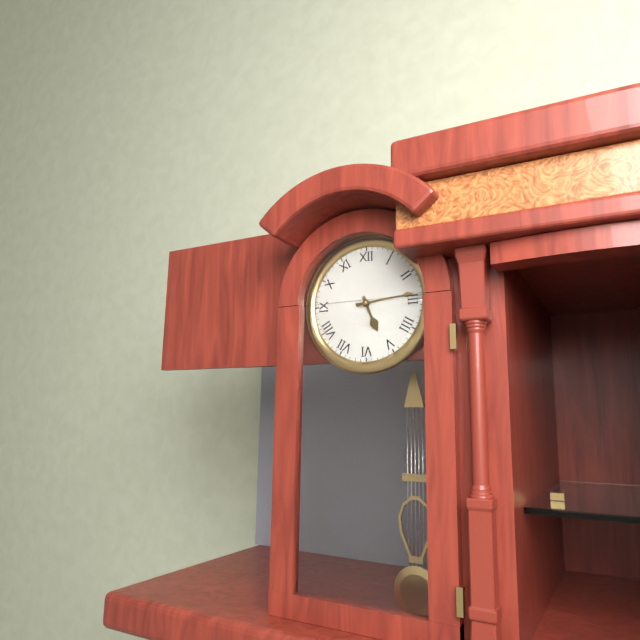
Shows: h=5 m=14
